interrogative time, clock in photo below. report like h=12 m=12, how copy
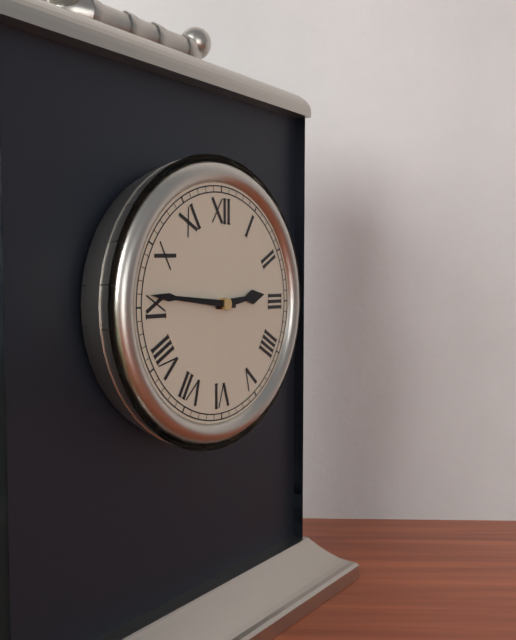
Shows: h=2 m=46
